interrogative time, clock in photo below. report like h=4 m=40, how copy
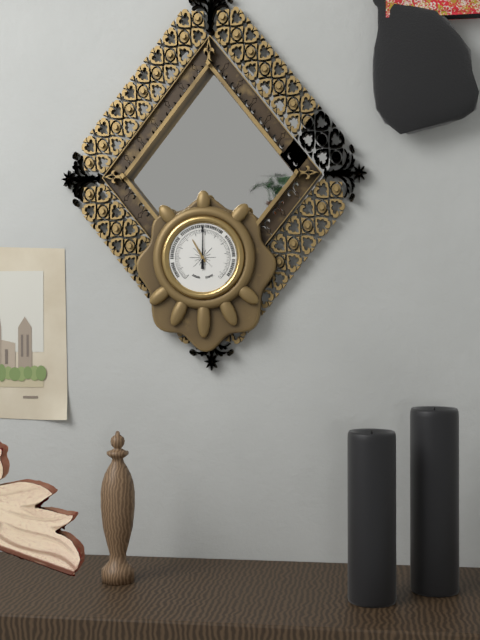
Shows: h=11 m=0
